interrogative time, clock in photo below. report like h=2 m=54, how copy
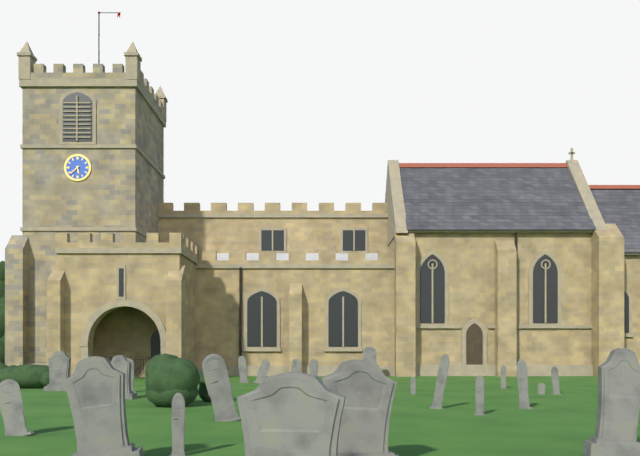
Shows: h=5 m=38
